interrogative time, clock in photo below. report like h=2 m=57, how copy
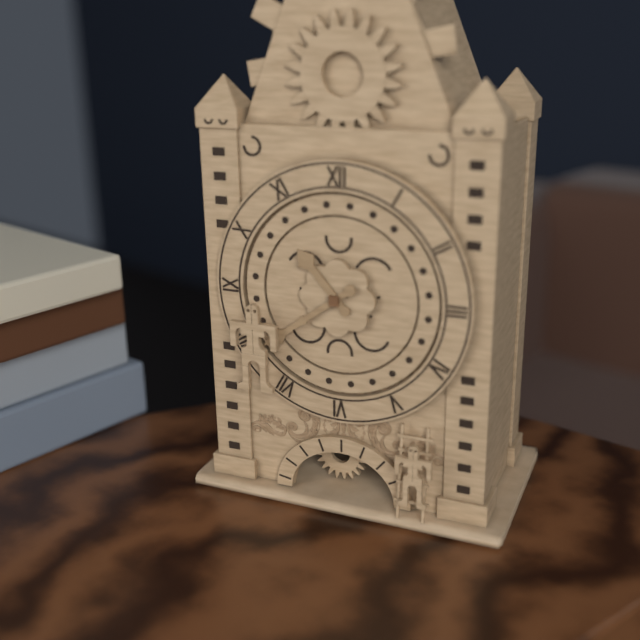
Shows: h=10 m=39
